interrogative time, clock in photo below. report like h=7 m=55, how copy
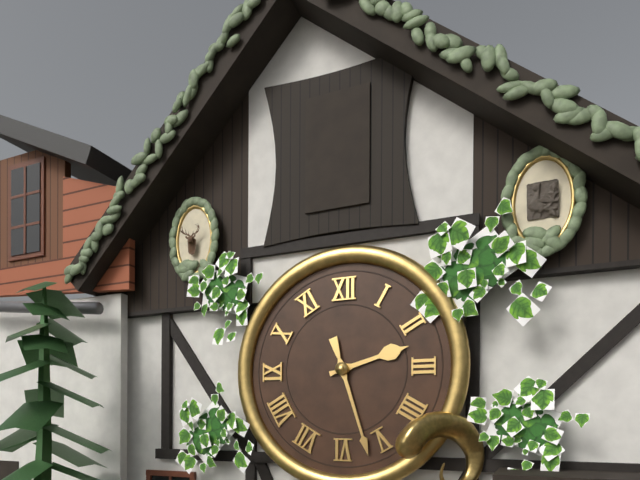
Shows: h=2 m=27
